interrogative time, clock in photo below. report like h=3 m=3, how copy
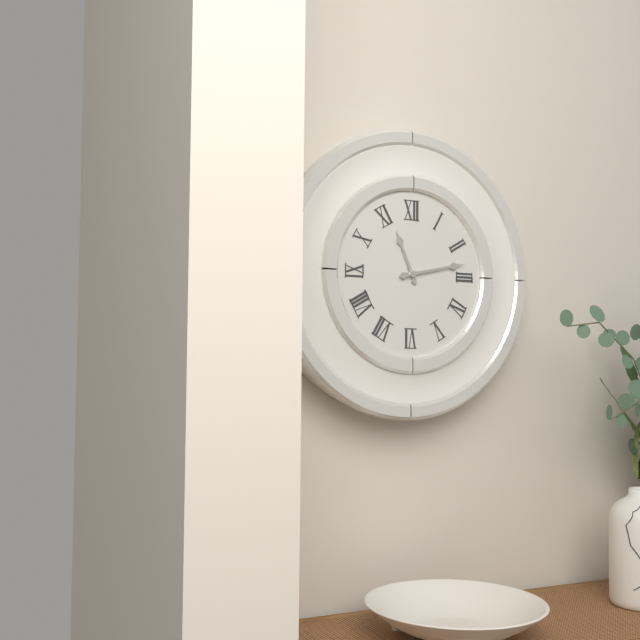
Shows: h=11 m=13
